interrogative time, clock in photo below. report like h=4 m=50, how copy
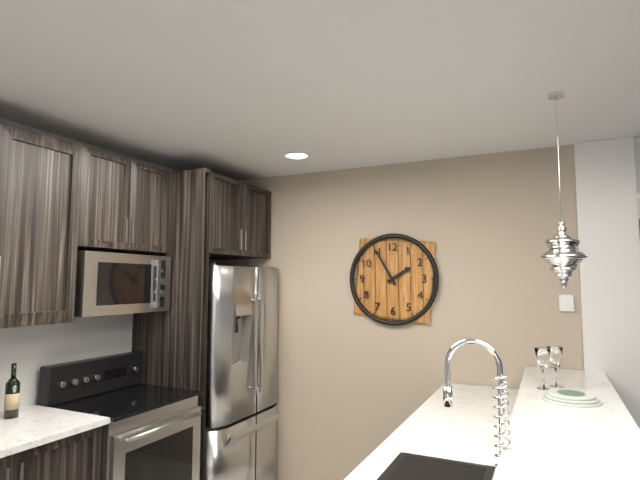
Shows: h=1 m=55
